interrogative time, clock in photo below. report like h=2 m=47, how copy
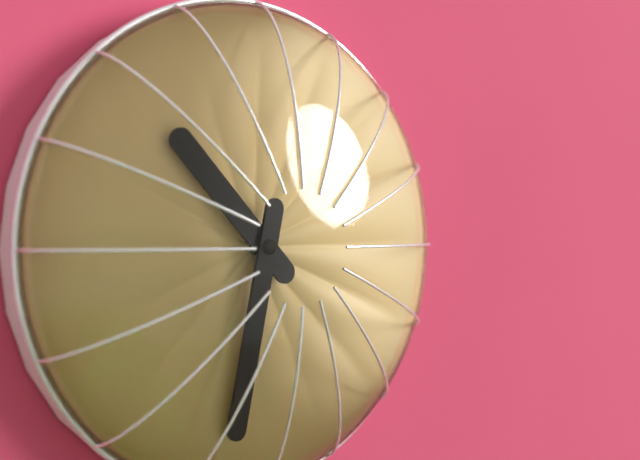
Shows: h=10 m=32
